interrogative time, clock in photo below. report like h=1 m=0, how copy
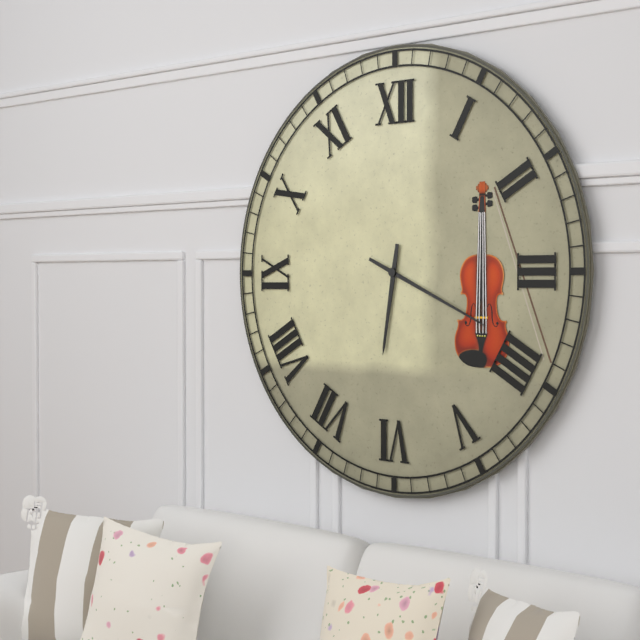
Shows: h=6 m=19
